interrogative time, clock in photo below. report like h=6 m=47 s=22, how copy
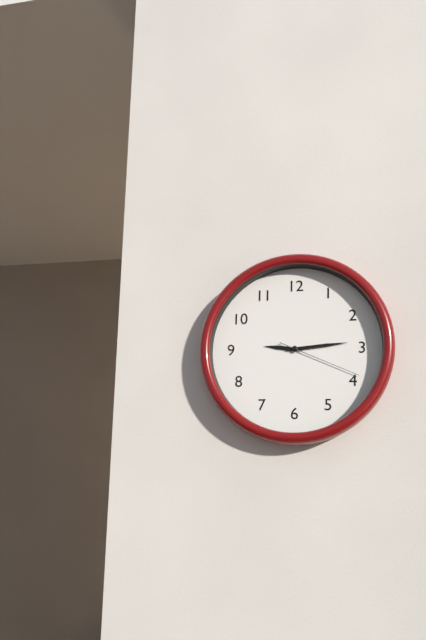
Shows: h=9 m=14 s=19
